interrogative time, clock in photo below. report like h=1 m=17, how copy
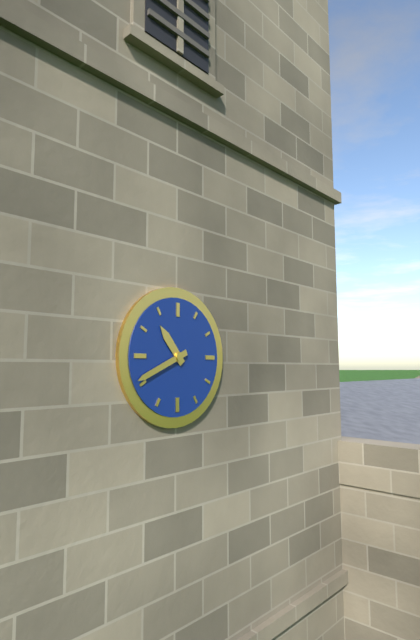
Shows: h=10 m=41
